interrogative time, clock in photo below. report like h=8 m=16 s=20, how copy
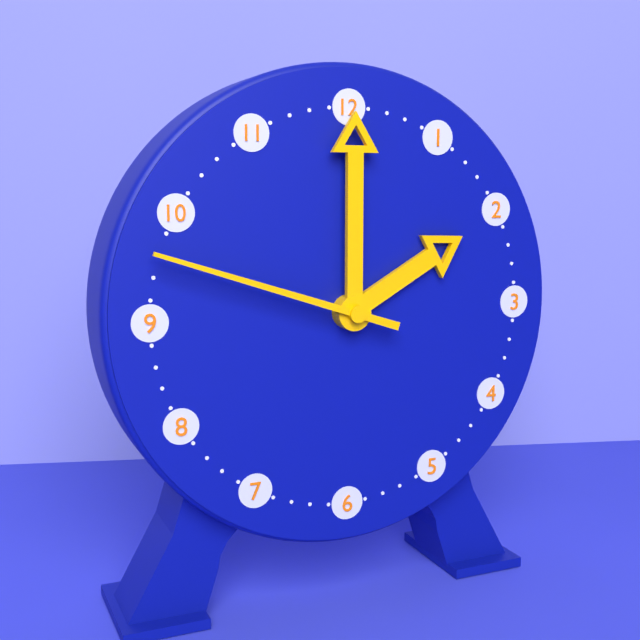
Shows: h=2 m=0 s=48
